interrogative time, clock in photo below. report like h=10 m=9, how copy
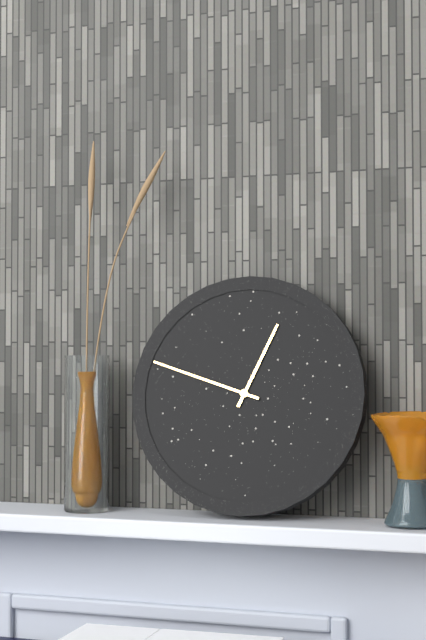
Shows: h=12 m=48
